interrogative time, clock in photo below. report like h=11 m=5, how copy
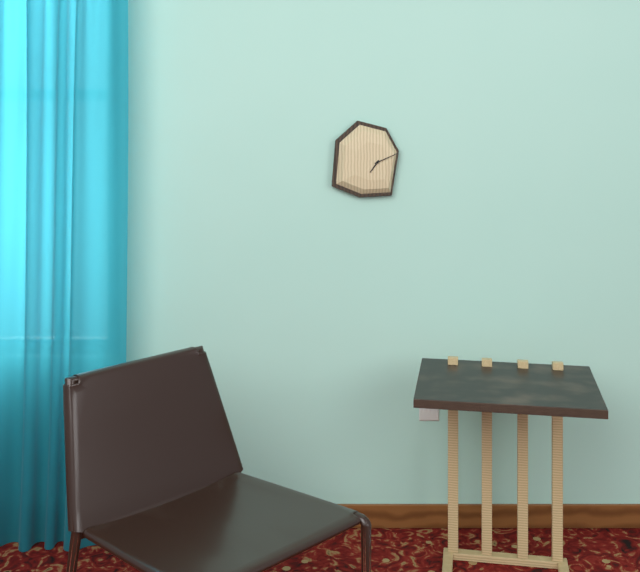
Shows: h=7 m=11
